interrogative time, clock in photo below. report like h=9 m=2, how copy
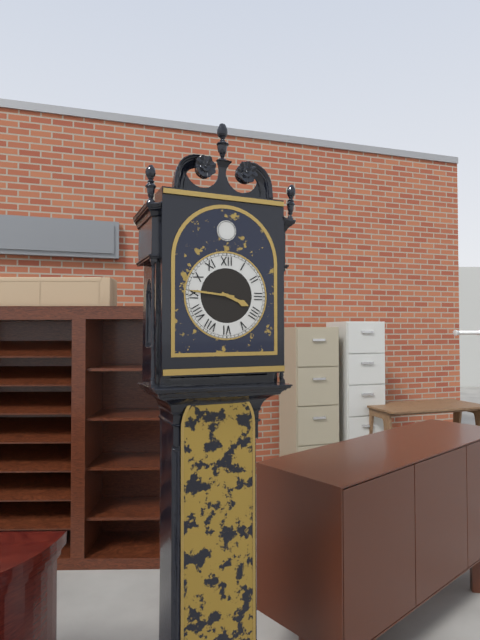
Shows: h=3 m=46
